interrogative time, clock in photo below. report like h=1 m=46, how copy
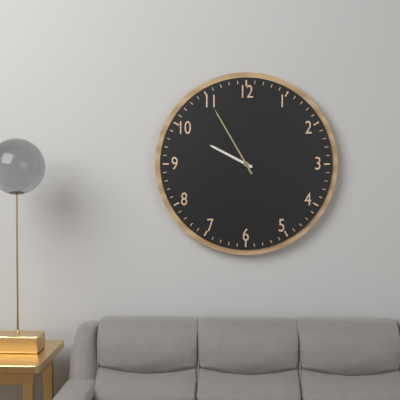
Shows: h=9 m=55
